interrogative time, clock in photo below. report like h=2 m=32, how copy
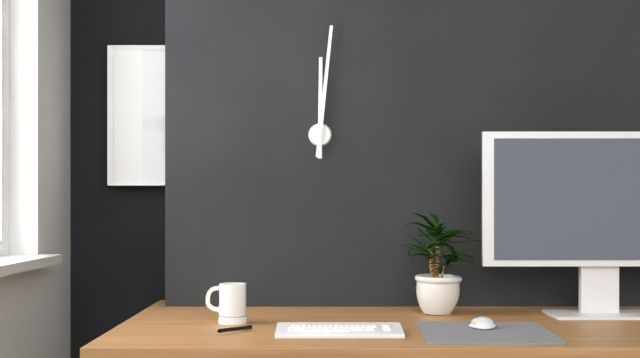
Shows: h=12 m=1
